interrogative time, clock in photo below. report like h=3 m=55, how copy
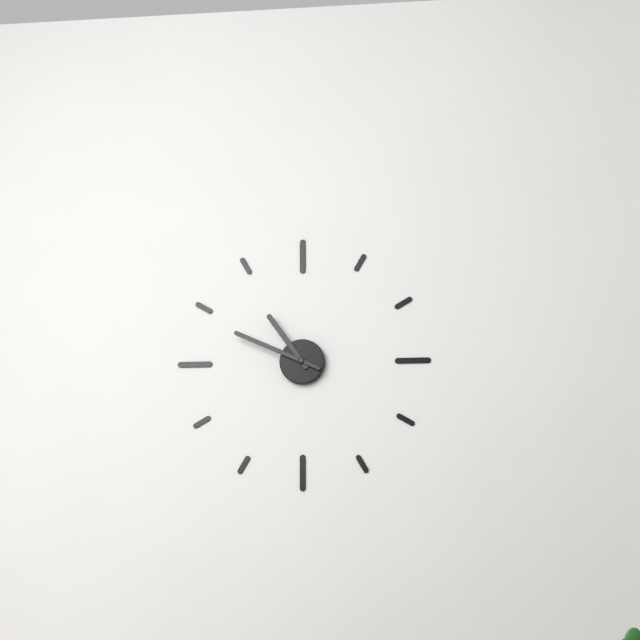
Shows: h=10 m=49
